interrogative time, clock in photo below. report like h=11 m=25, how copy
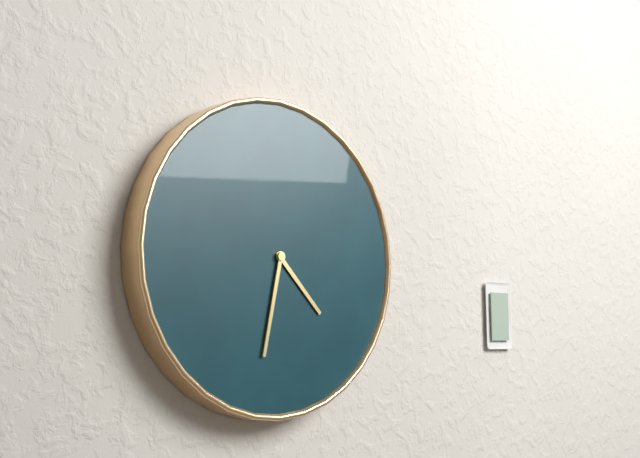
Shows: h=4 m=32
